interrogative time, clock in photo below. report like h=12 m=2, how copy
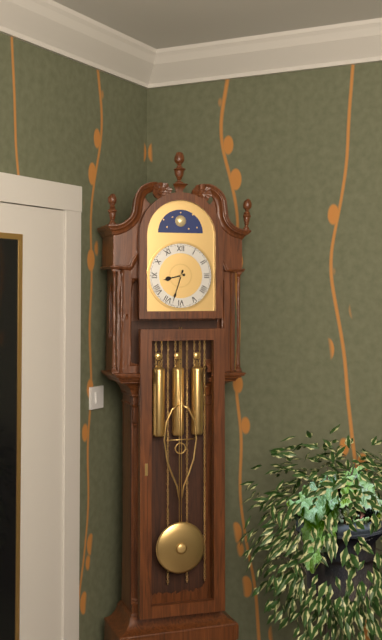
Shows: h=8 m=33
